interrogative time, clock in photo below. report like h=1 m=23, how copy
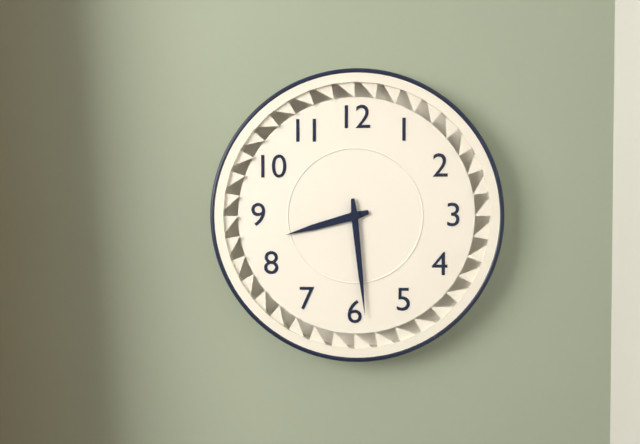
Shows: h=8 m=29
